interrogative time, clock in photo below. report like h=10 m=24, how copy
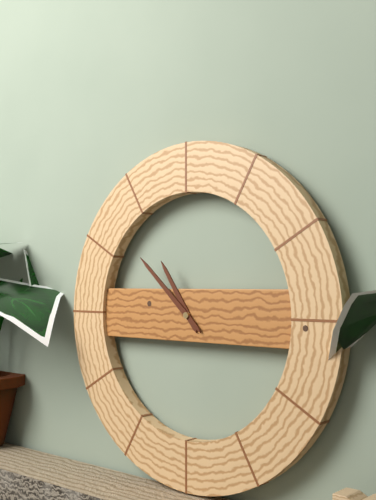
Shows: h=10 m=52
